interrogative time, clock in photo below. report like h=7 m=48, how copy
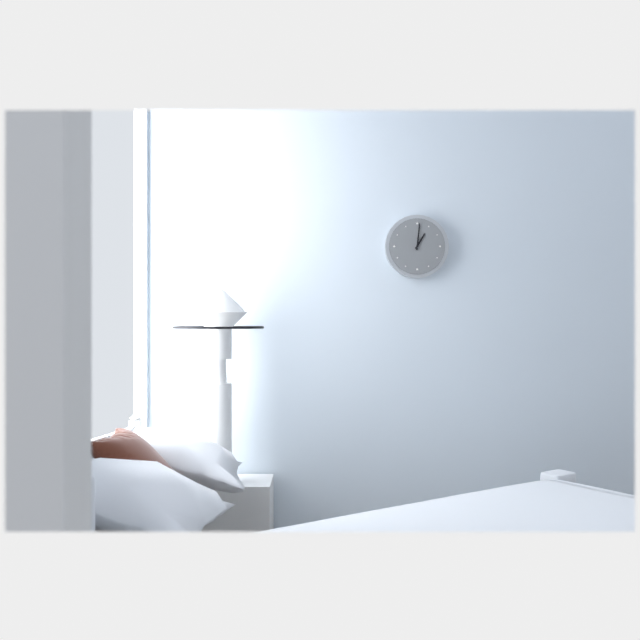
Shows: h=1 m=1
